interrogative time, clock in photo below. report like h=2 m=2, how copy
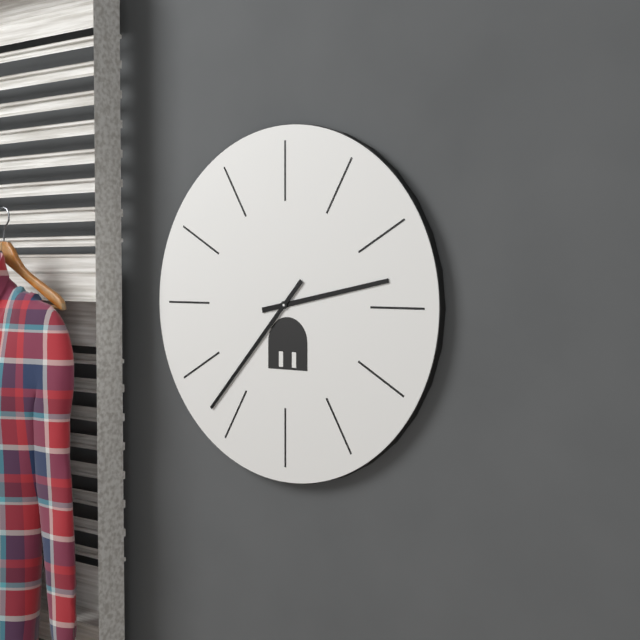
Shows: h=2 m=37
